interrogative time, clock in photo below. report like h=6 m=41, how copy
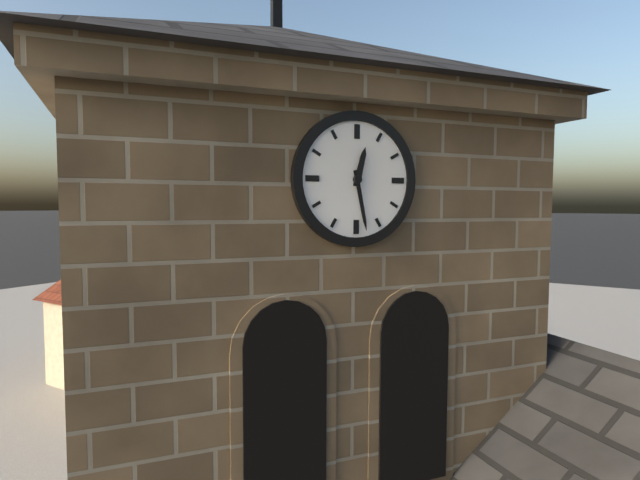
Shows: h=12 m=28
